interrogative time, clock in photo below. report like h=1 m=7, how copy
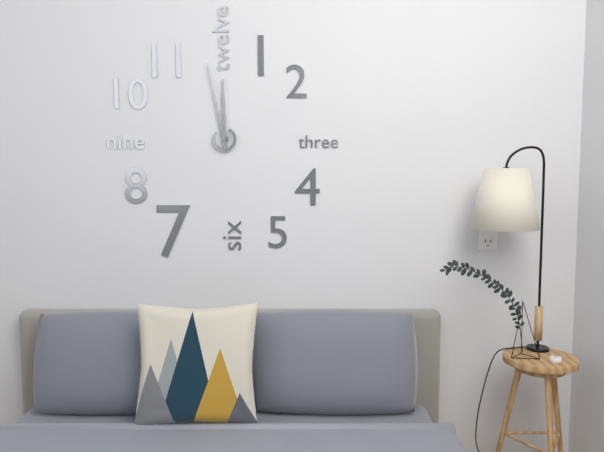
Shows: h=11 m=58
